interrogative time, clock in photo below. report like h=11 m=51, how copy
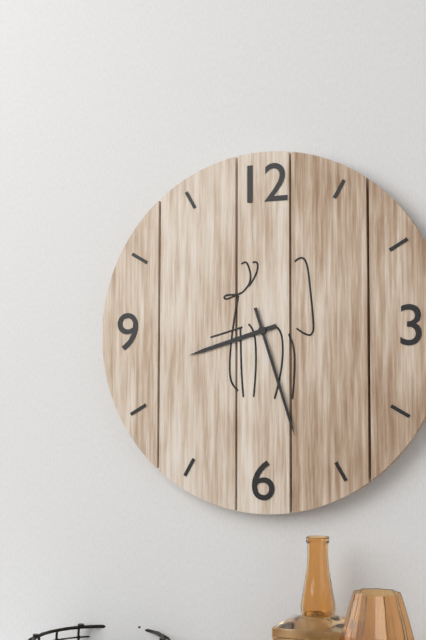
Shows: h=8 m=27
